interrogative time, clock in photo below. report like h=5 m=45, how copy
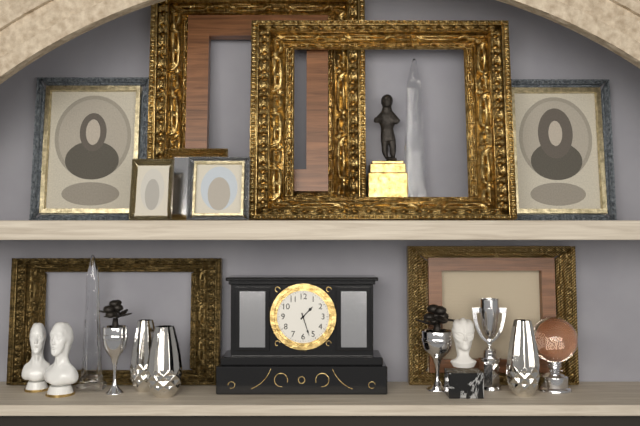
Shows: h=1 m=27
